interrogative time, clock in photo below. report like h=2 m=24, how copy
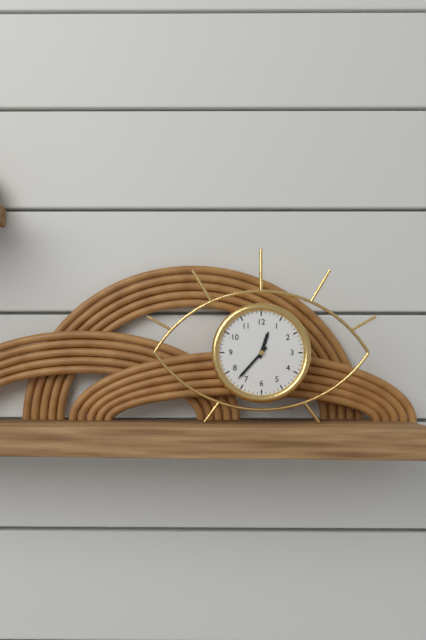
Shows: h=12 m=37
